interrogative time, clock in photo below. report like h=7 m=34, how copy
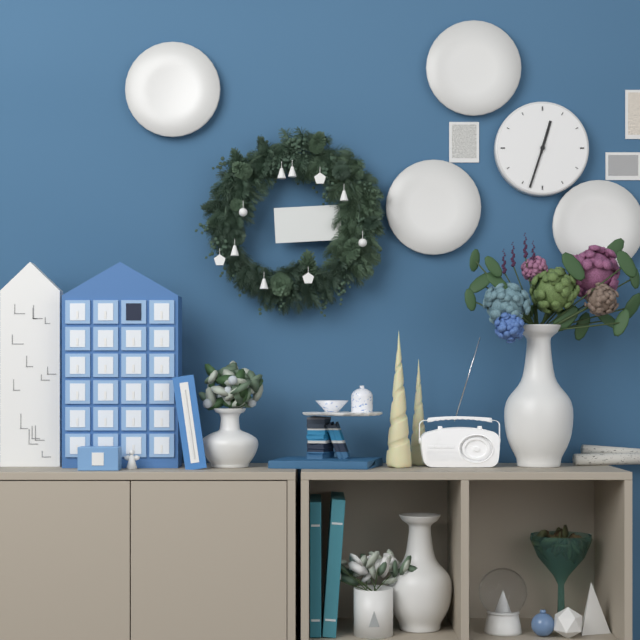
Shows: h=12 m=33
